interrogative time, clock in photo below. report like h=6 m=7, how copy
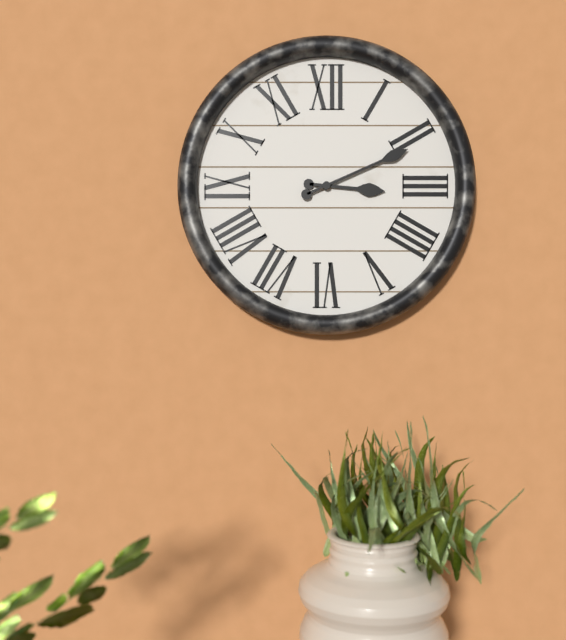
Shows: h=3 m=11
